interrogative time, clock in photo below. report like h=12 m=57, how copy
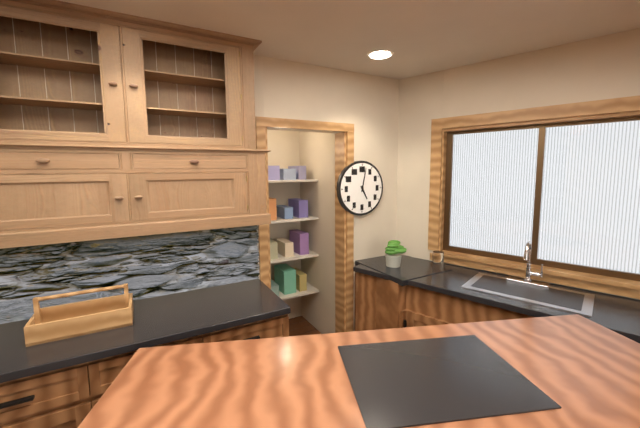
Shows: h=5 m=2
